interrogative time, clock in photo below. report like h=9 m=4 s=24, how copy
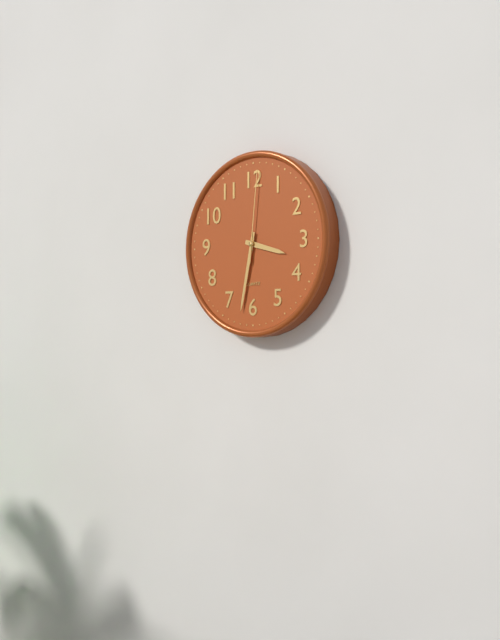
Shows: h=3 m=32 s=1
